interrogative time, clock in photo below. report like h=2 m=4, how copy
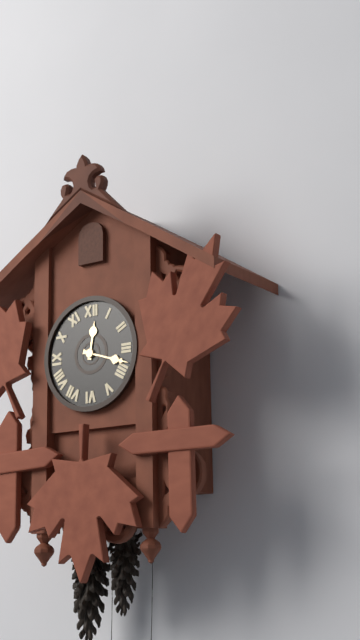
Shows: h=12 m=18
